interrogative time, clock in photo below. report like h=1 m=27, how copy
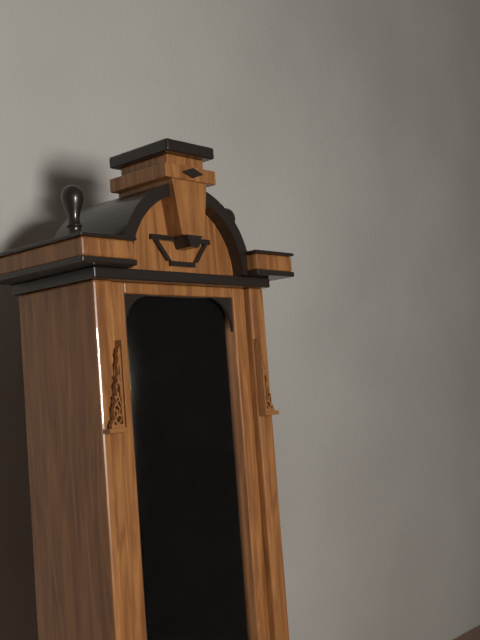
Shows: h=8 m=41
